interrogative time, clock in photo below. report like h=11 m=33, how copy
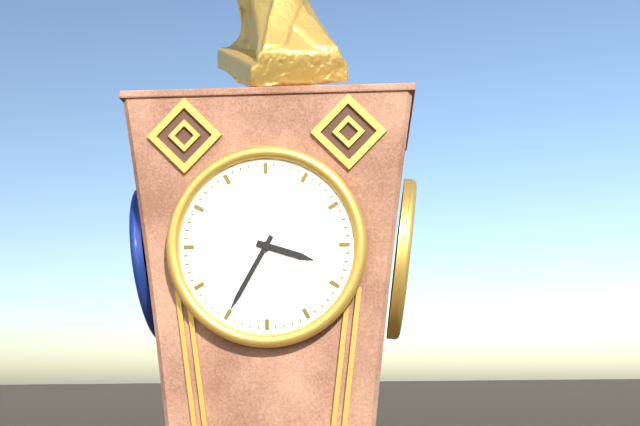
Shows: h=3 m=35
